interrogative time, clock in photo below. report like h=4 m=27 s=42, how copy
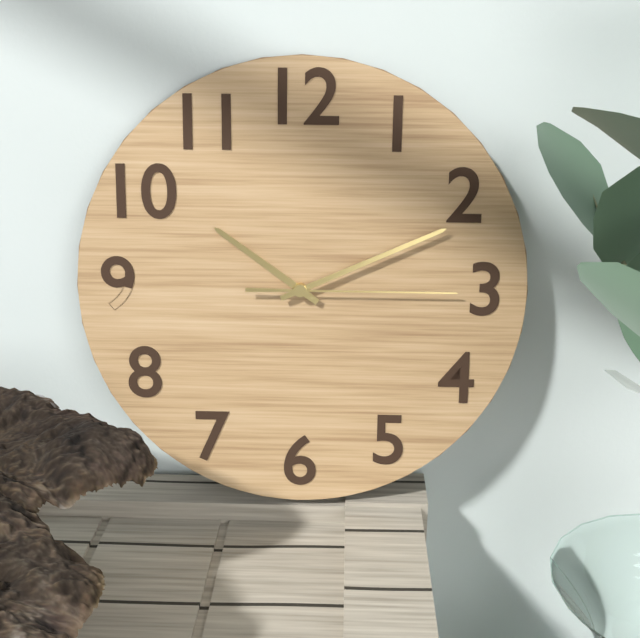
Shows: h=10 m=11 s=15
